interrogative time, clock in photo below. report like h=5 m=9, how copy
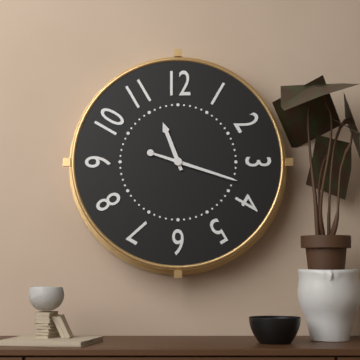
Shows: h=11 m=18
